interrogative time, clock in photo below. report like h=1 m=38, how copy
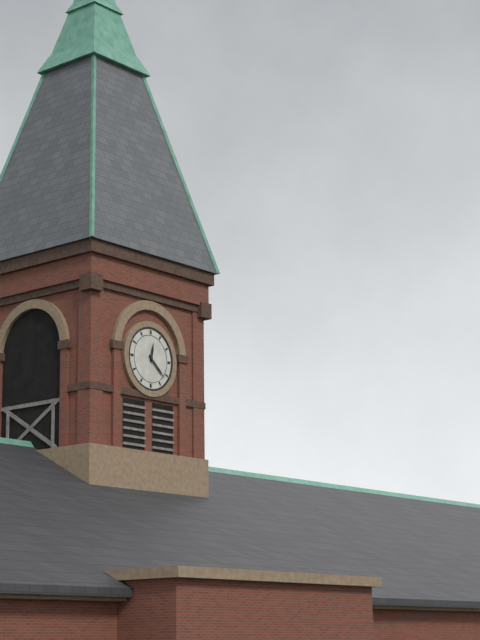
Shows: h=12 m=22
